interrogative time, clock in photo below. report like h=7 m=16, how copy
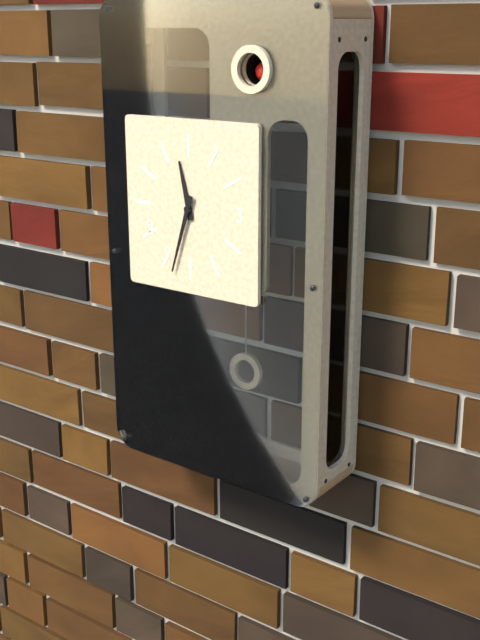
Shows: h=11 m=33
